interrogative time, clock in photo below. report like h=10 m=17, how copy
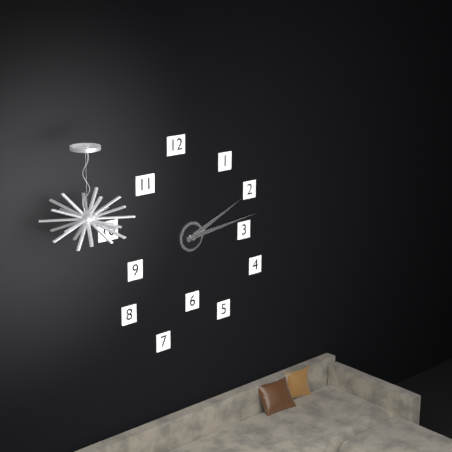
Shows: h=2 m=14
